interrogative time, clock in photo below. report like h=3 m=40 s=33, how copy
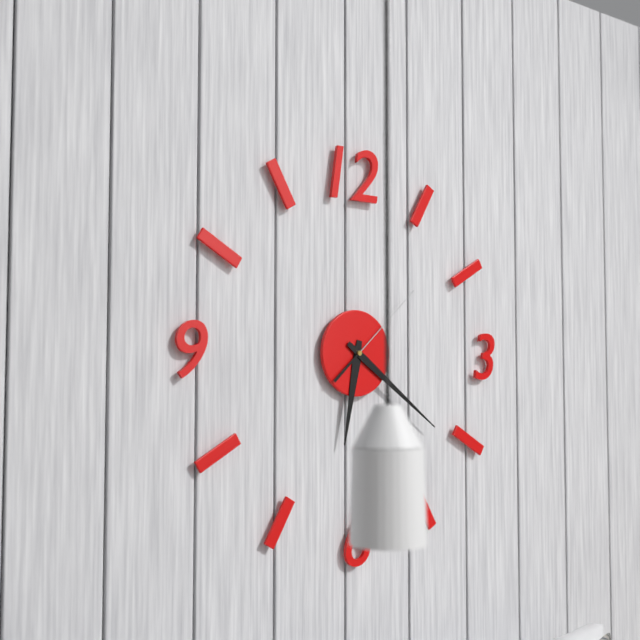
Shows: h=6 m=21 s=8
